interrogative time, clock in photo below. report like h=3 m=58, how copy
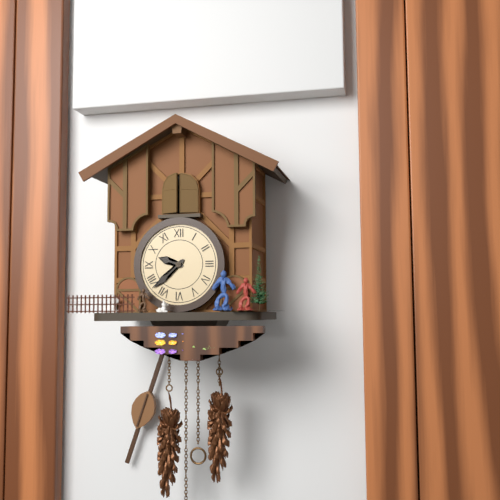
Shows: h=9 m=38
